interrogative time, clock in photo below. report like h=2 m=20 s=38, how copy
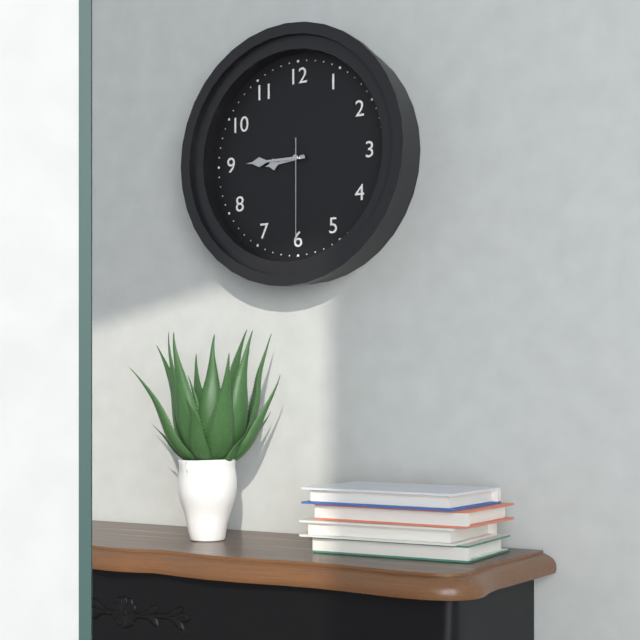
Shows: h=8 m=45 s=30
